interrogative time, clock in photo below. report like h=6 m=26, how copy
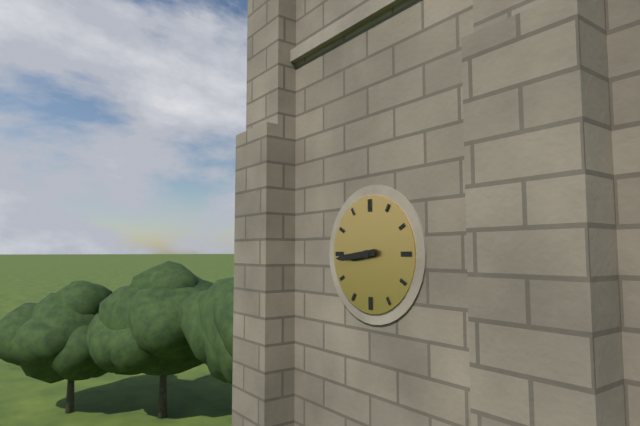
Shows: h=8 m=44
